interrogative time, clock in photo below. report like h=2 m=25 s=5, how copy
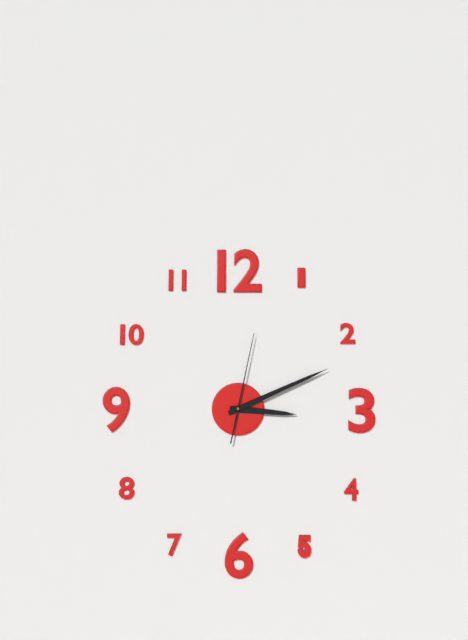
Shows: h=3 m=11 s=2
